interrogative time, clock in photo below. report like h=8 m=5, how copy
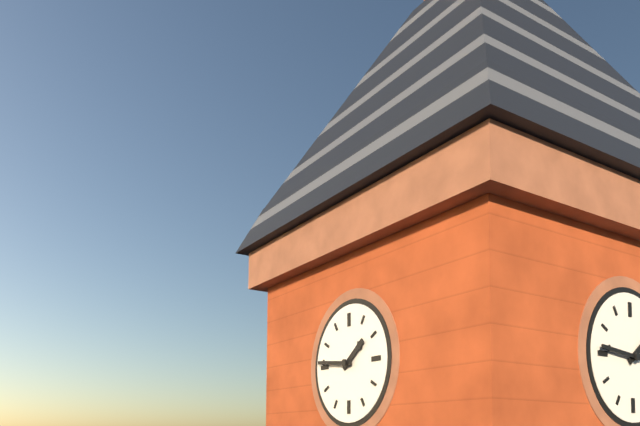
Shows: h=1 m=46
